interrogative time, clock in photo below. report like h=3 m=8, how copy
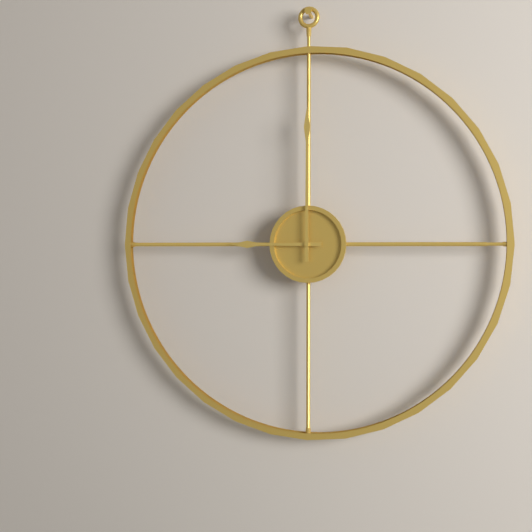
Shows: h=9 m=0
